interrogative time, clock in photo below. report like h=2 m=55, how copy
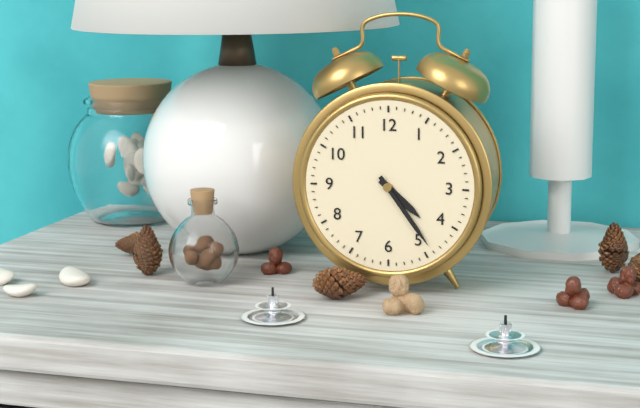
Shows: h=4 m=24
